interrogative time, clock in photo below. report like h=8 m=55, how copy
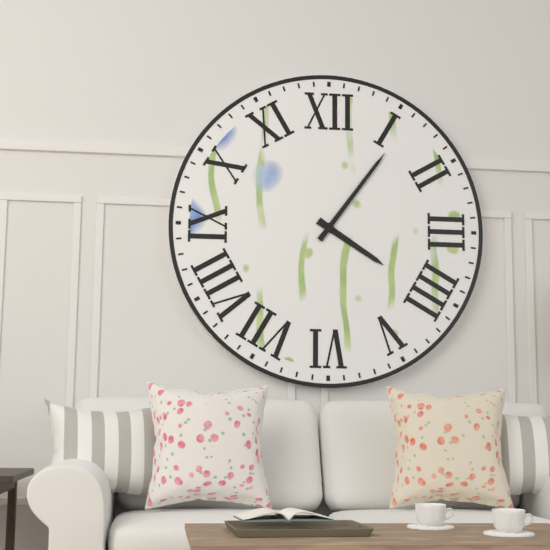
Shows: h=4 m=6
